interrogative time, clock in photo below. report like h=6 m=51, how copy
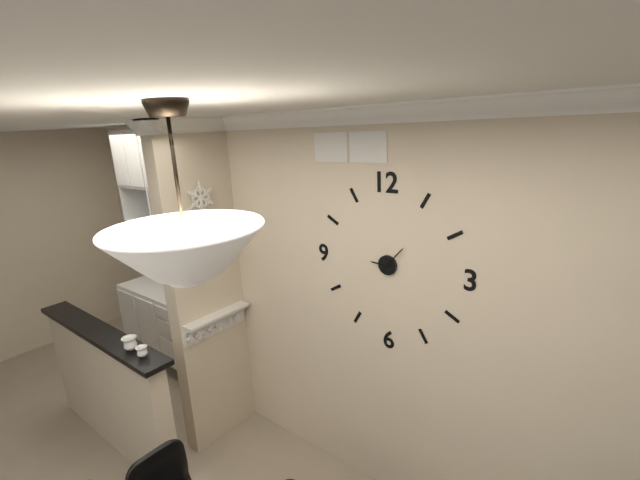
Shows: h=9 m=7
